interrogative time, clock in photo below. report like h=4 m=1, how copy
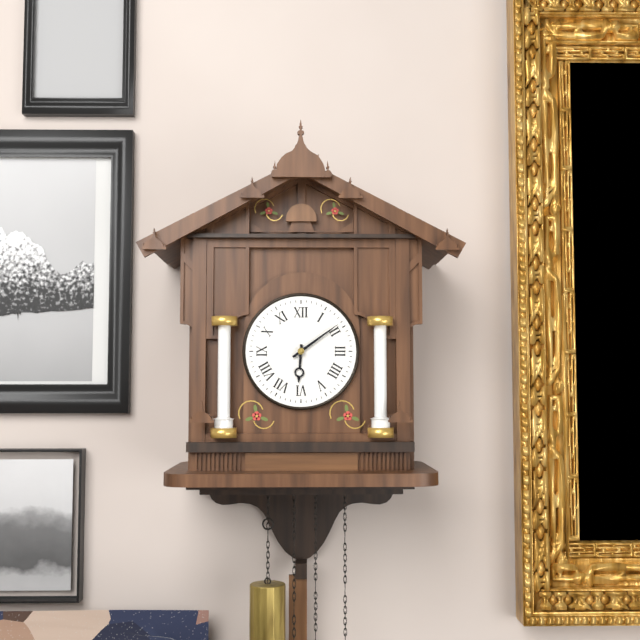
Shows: h=6 m=9
